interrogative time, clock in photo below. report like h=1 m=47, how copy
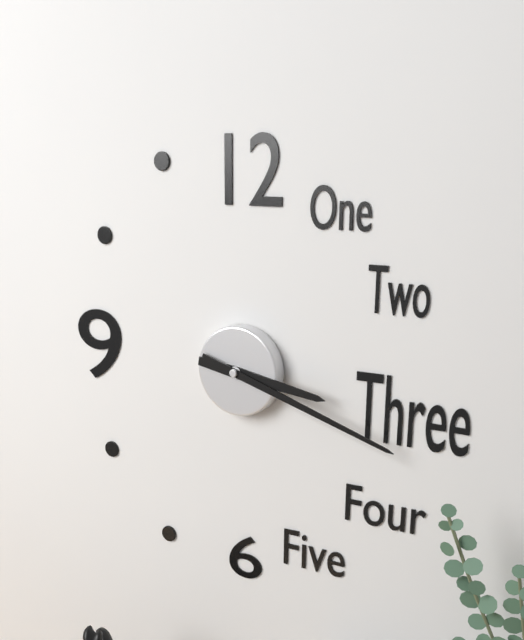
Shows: h=3 m=18
